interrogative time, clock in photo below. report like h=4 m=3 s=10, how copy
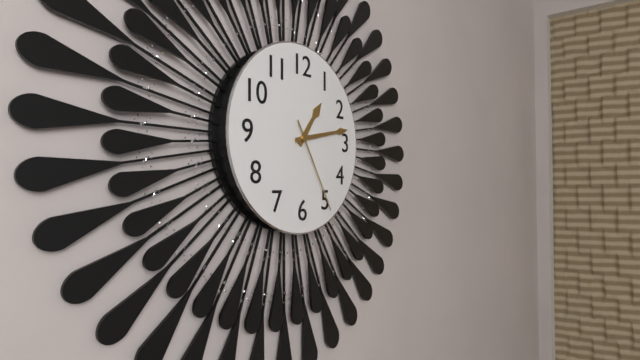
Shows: h=1 m=13 s=25
